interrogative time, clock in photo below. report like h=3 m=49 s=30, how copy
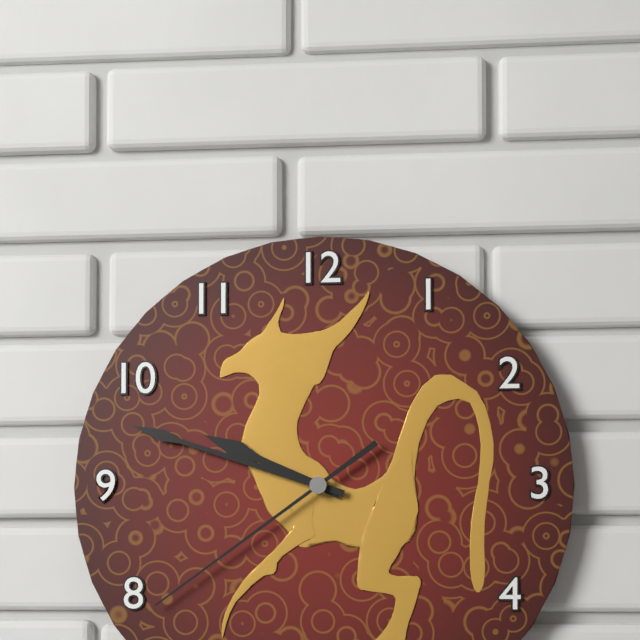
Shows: h=9 m=48 s=39
